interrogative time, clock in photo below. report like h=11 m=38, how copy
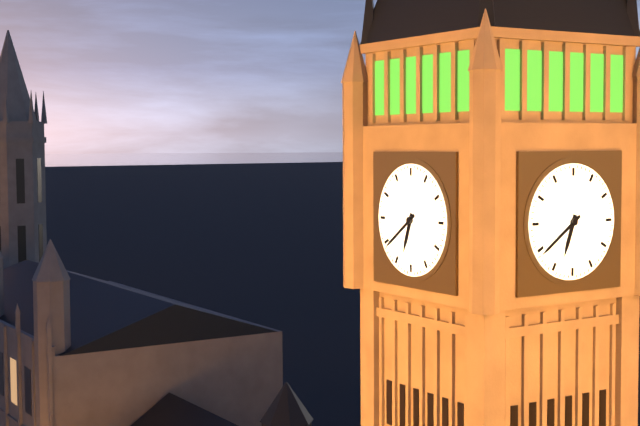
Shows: h=6 m=39
